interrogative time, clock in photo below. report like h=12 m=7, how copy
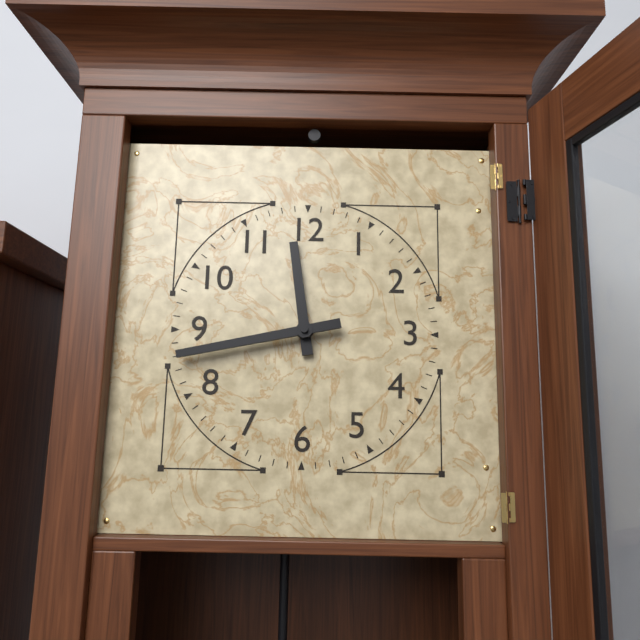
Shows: h=11 m=43
